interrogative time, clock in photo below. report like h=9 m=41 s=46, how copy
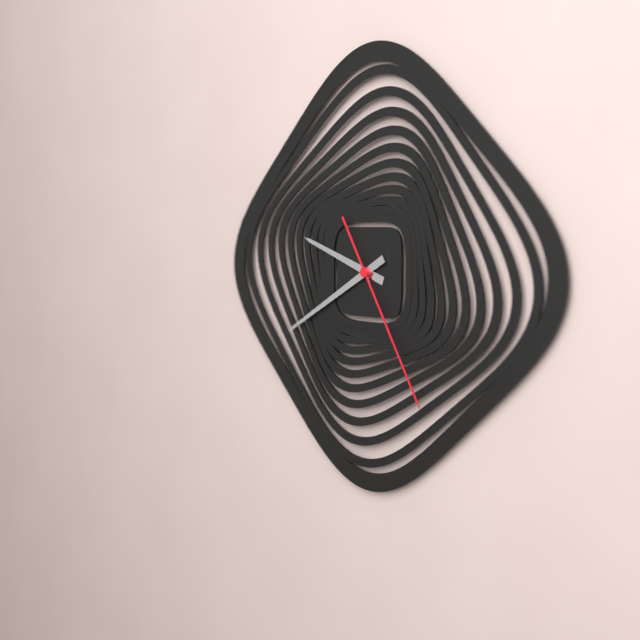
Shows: h=9 m=40 s=25
